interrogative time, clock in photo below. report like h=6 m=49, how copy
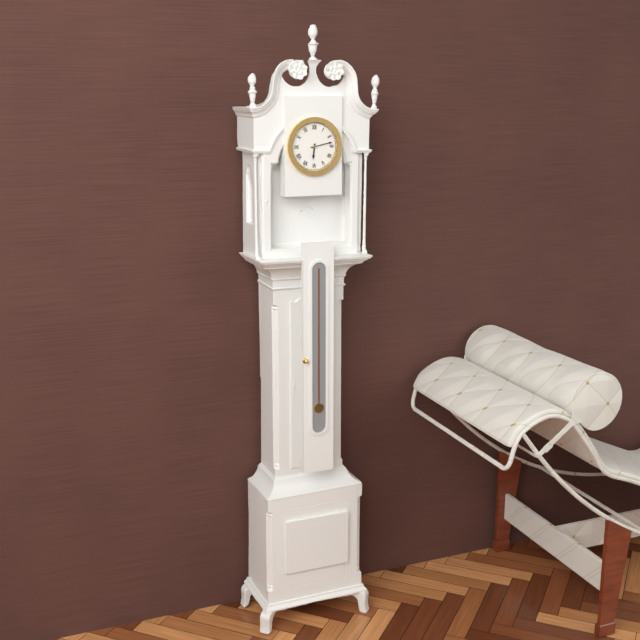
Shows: h=6 m=13
